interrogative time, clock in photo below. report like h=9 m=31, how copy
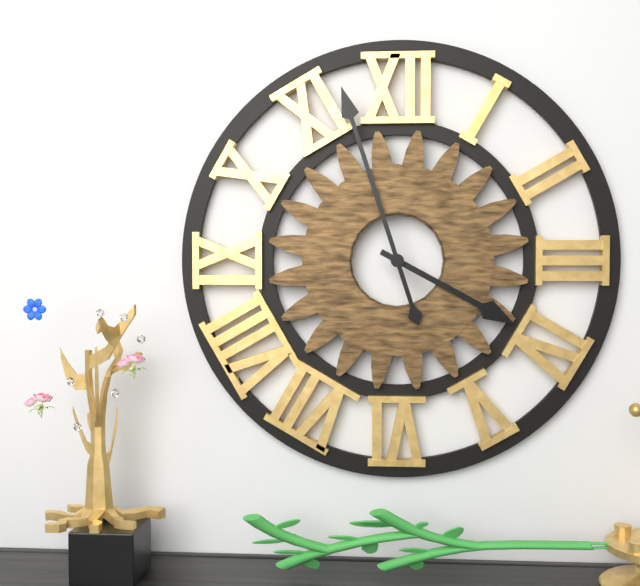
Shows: h=3 m=57
